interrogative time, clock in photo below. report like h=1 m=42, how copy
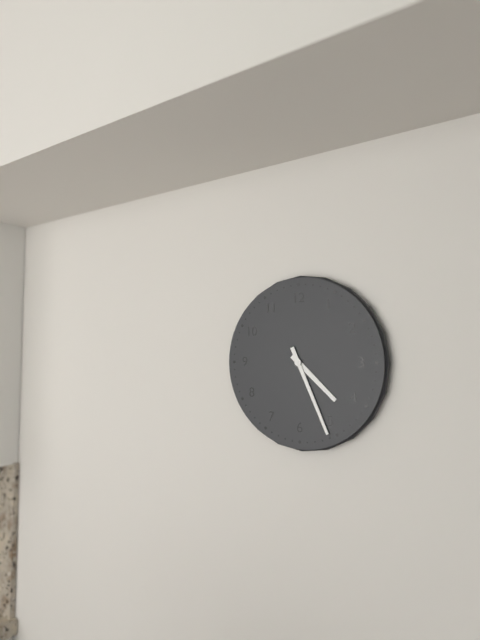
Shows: h=4 m=26
